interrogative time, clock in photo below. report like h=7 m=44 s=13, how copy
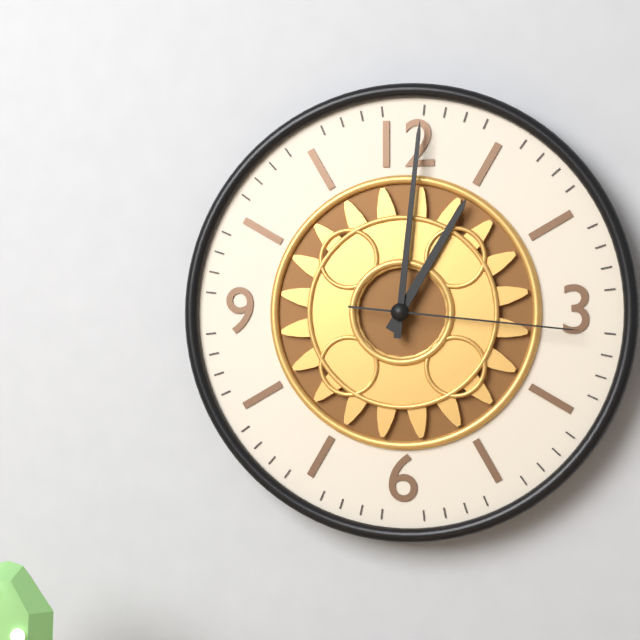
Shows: h=1 m=1 s=16
